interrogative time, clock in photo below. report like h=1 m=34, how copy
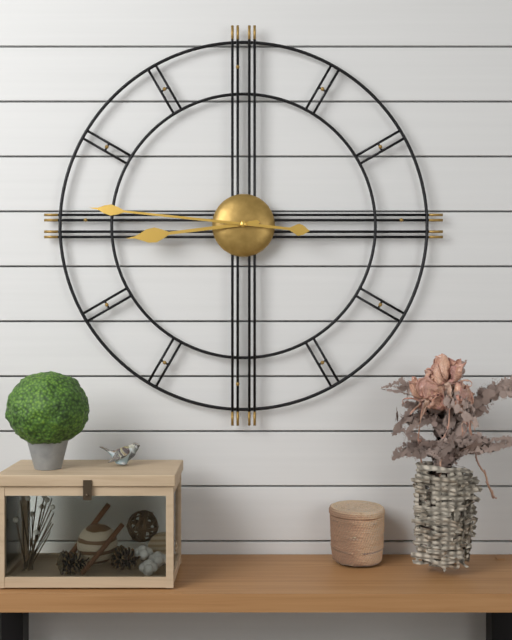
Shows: h=8 m=46
